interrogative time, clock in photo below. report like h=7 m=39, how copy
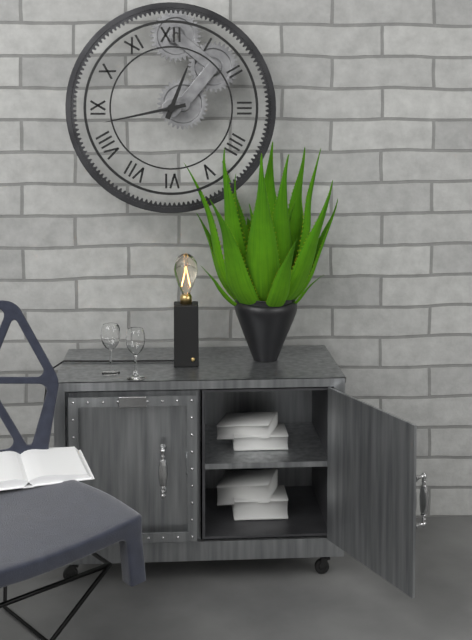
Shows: h=12 m=43
